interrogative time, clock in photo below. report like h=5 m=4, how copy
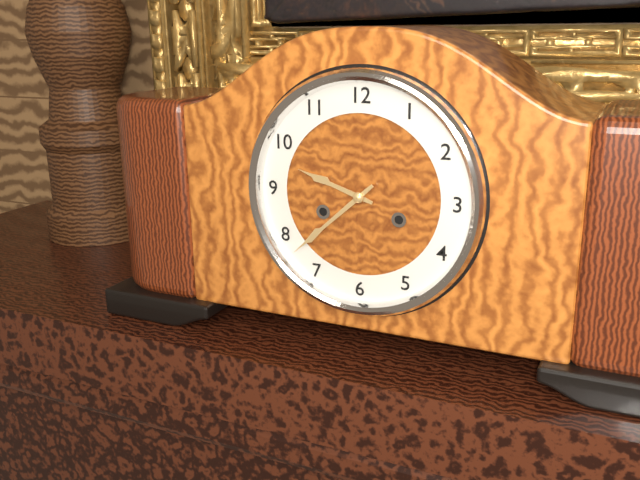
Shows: h=9 m=38
